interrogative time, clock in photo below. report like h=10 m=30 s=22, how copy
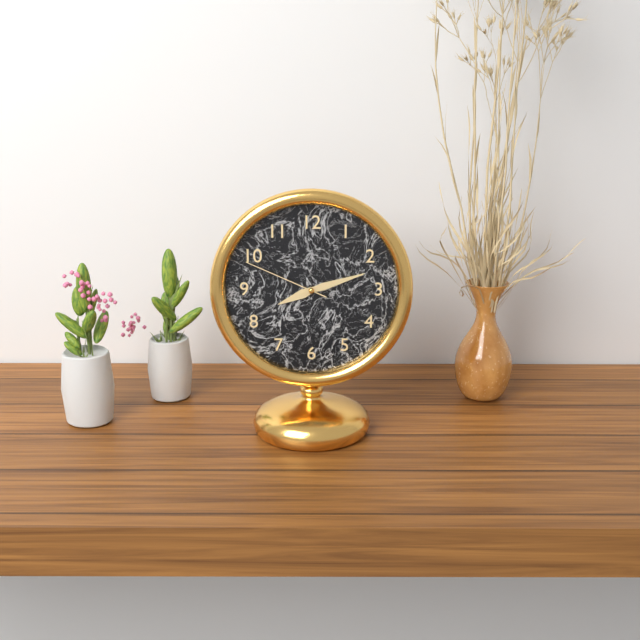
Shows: h=8 m=12 s=49
